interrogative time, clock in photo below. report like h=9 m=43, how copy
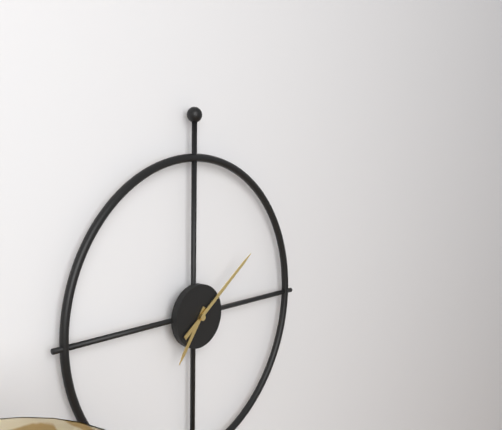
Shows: h=7 m=9
